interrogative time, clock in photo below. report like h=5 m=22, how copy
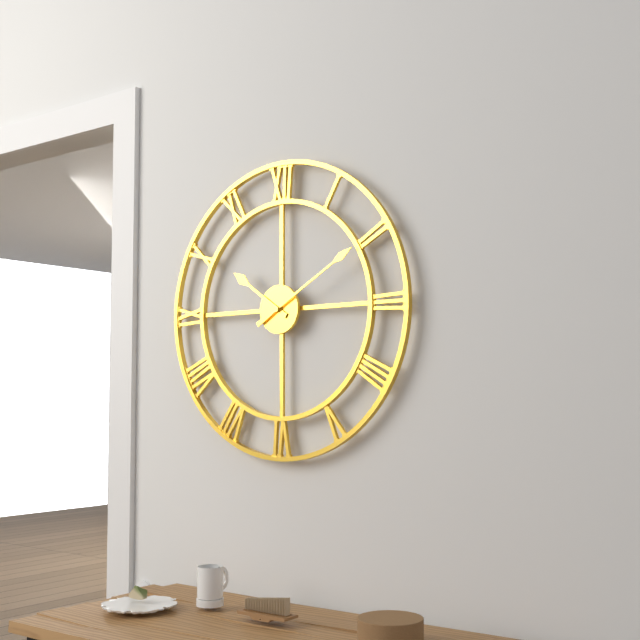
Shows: h=10 m=10
